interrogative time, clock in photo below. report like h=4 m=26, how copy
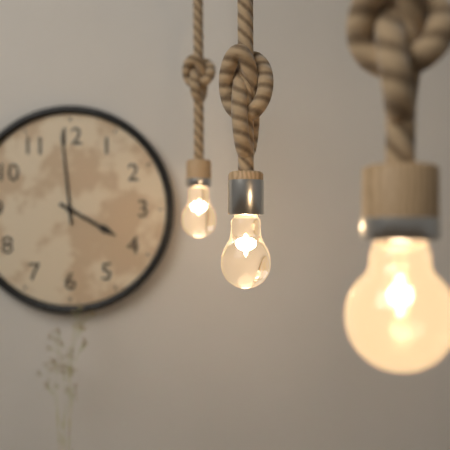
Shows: h=3 m=59
